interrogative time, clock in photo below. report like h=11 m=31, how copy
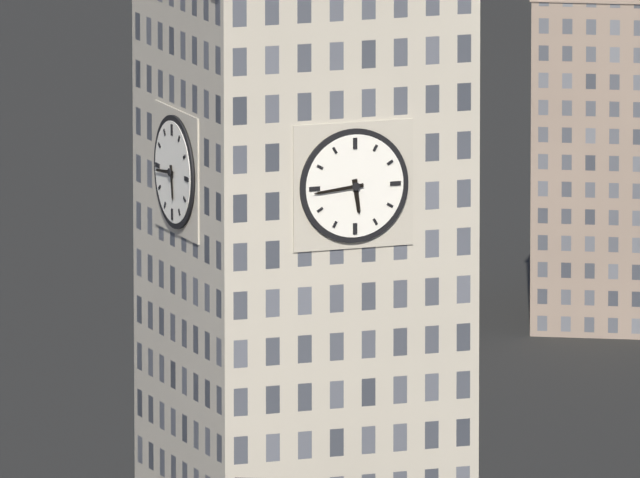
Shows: h=5 m=44
